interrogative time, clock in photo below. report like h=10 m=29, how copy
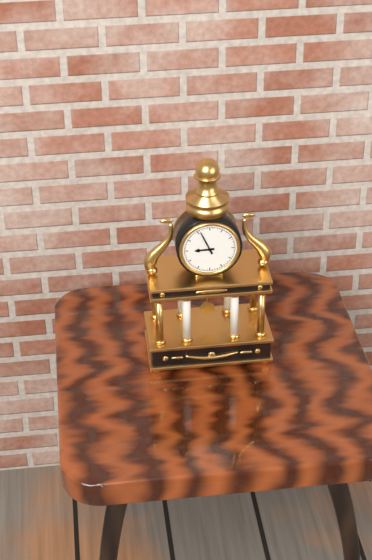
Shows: h=8 m=56
